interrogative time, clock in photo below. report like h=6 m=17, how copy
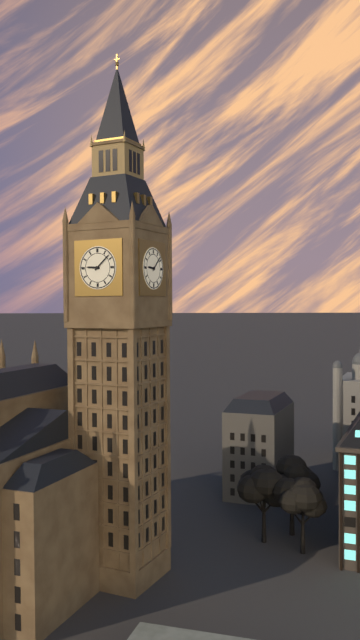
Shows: h=9 m=8
